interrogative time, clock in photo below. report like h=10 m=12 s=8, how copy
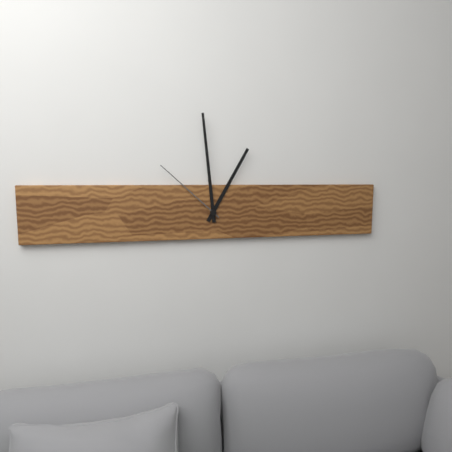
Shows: h=12 m=59 s=52
